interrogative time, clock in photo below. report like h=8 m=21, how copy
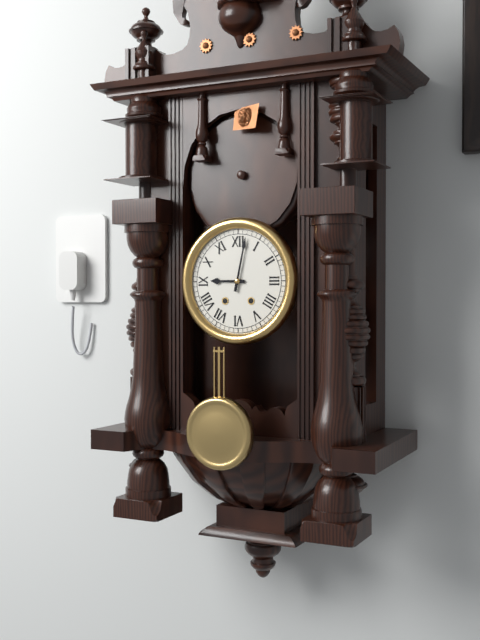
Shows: h=9 m=2
